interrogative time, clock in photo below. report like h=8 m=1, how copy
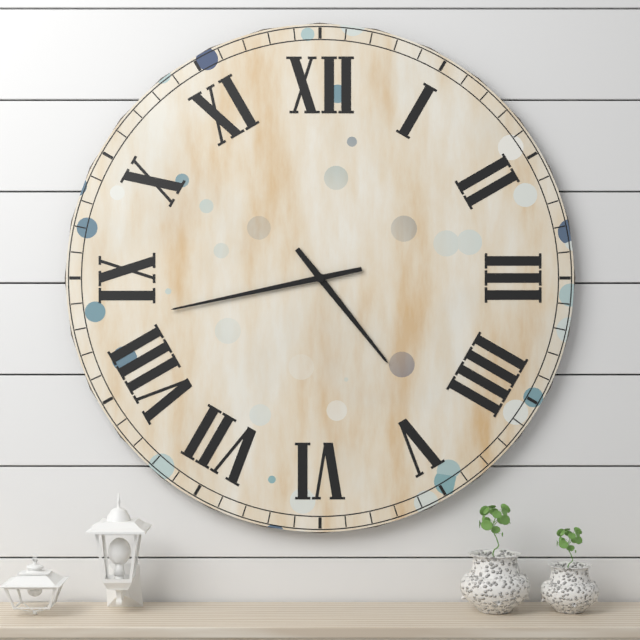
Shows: h=4 m=43
